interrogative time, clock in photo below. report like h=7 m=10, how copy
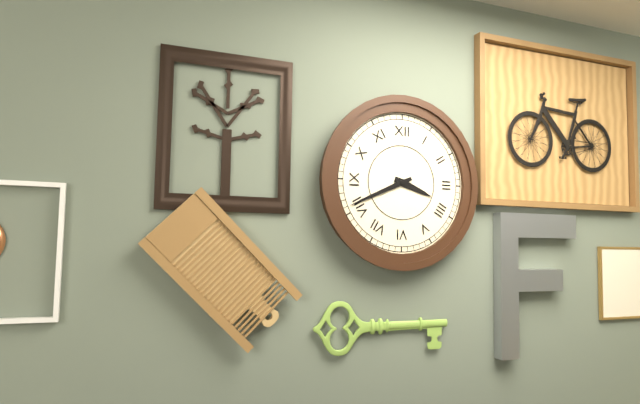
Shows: h=3 m=41
